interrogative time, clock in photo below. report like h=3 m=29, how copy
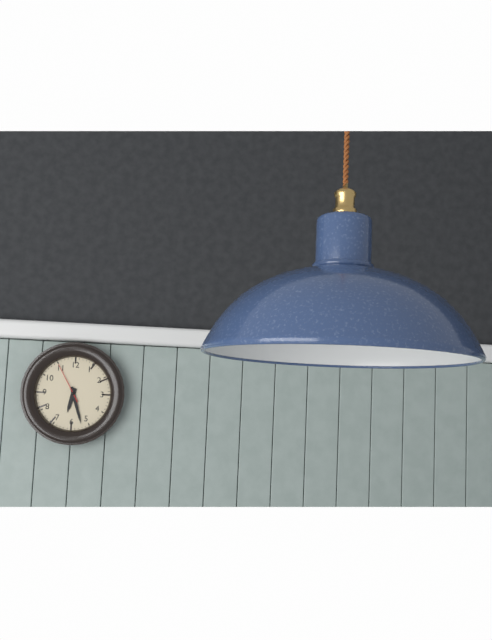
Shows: h=6 m=27
